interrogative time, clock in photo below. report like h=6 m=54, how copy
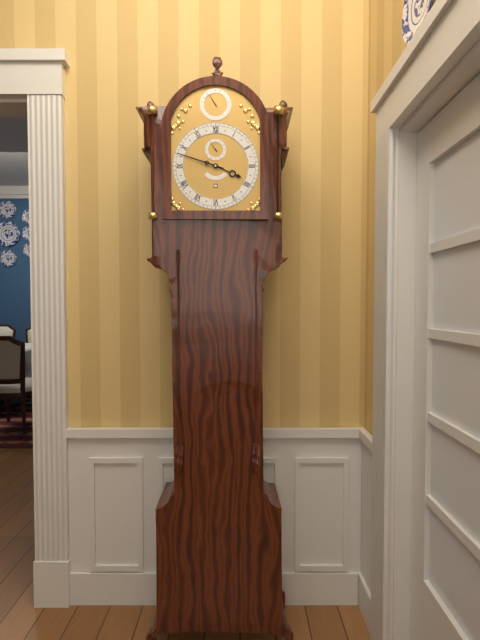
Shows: h=3 m=48
